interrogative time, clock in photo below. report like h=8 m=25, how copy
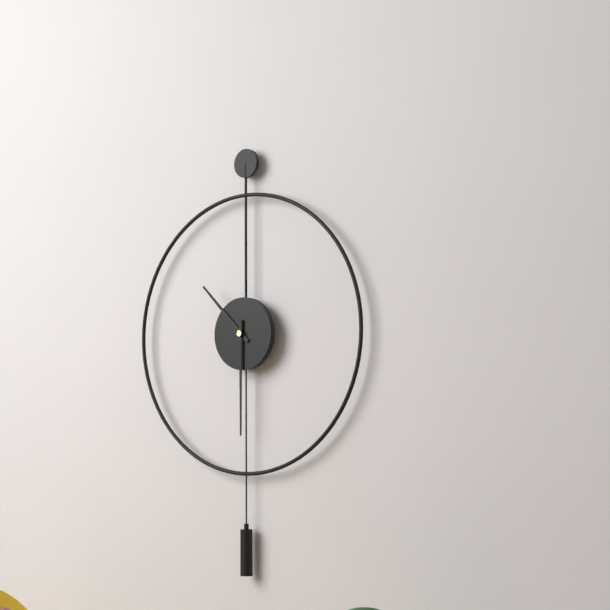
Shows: h=10 m=30
